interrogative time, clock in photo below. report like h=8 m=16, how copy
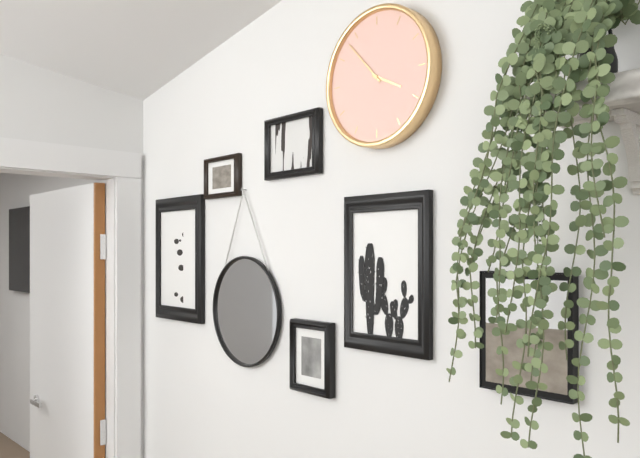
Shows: h=3 m=53
